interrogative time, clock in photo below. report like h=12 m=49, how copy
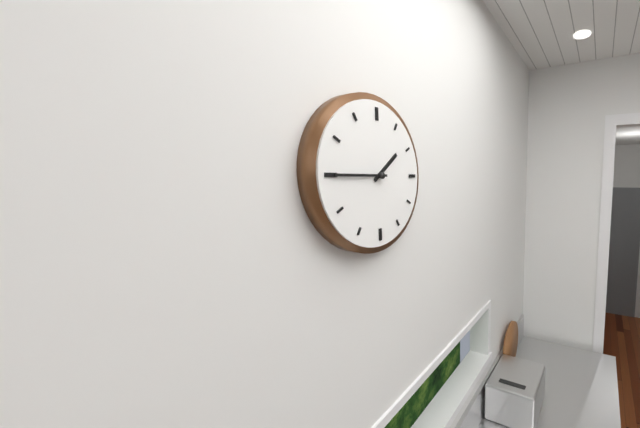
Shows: h=1 m=45
